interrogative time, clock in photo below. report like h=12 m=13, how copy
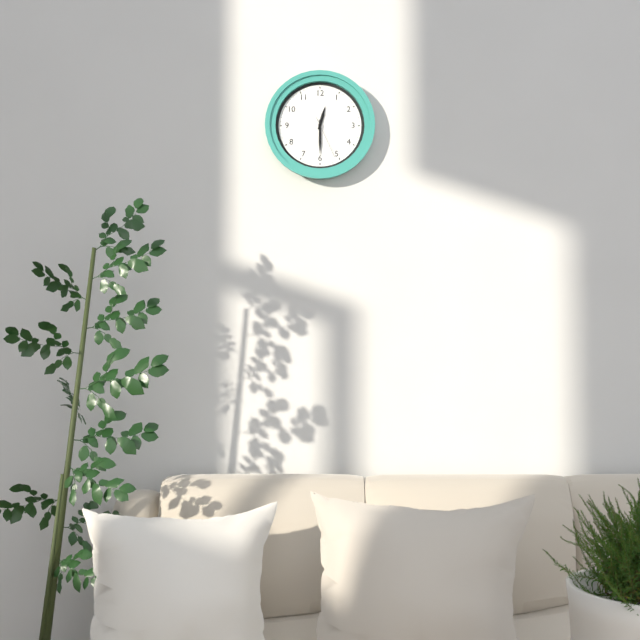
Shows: h=12 m=30
